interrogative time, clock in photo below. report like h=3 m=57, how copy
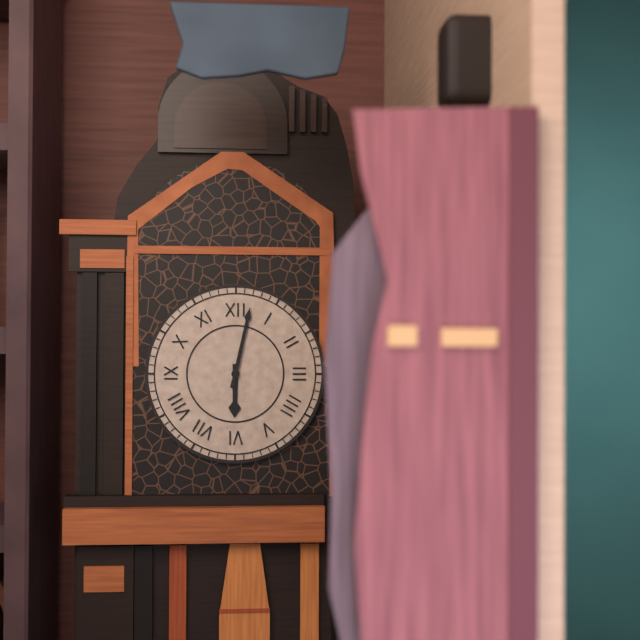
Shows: h=6 m=2
